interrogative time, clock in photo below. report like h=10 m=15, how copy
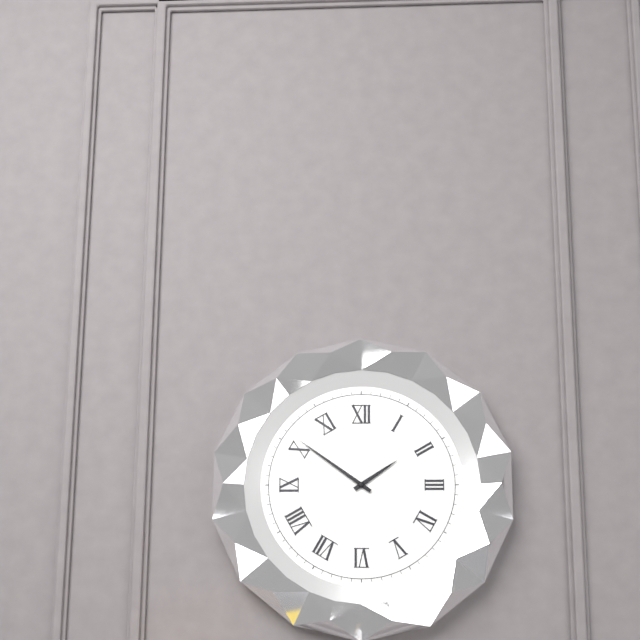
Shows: h=1 m=51
